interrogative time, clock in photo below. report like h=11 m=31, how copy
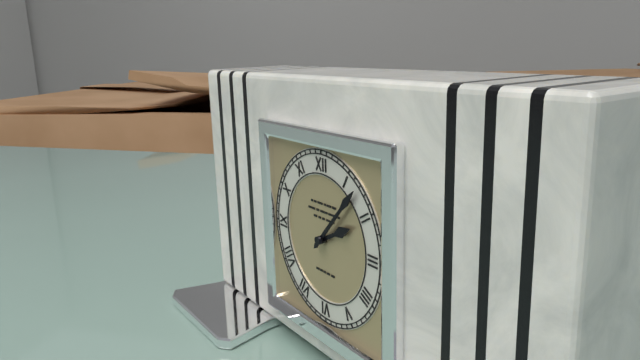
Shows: h=2 m=7
